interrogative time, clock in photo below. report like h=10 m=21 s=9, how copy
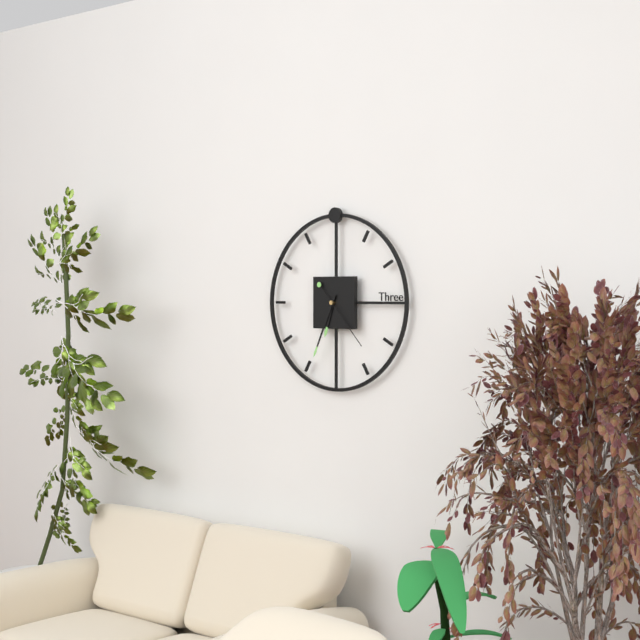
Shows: h=6 m=34 s=23
